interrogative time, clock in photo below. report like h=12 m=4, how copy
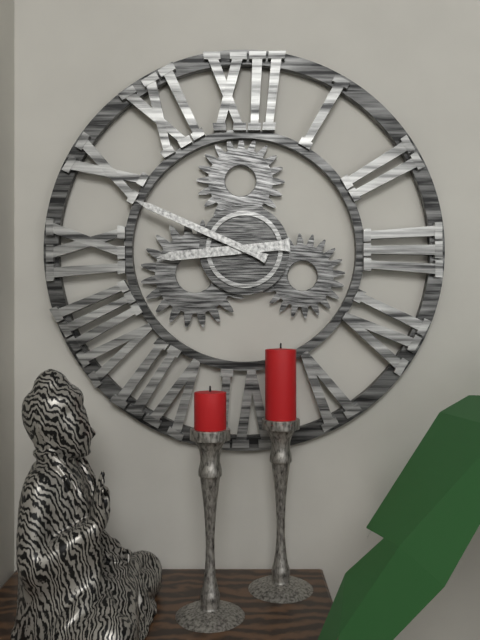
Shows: h=8 m=49
